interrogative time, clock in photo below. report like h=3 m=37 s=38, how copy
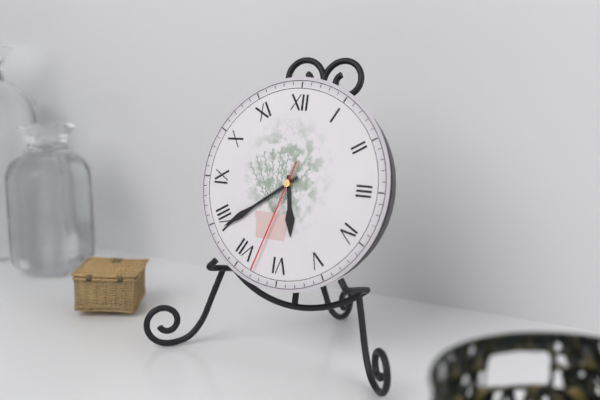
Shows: h=5 m=39 s=33
